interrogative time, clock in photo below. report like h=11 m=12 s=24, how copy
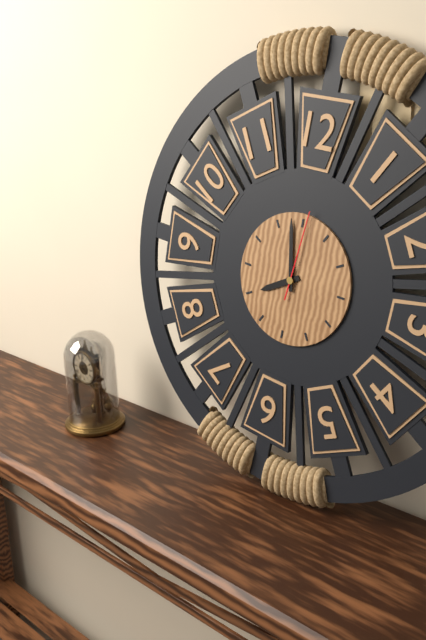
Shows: h=7 m=58 s=1
